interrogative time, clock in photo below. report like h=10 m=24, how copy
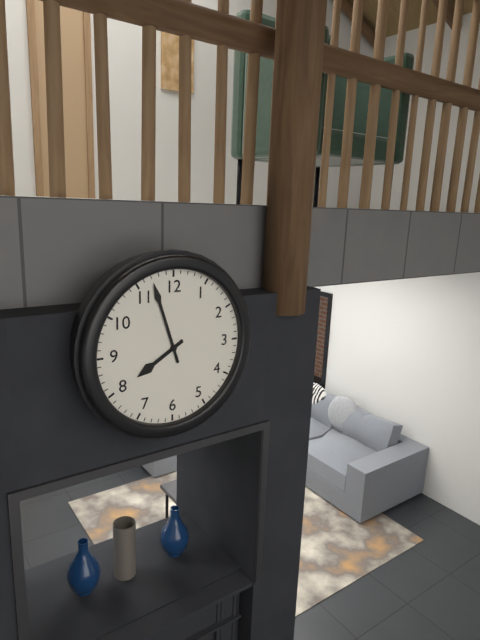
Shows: h=7 m=57
